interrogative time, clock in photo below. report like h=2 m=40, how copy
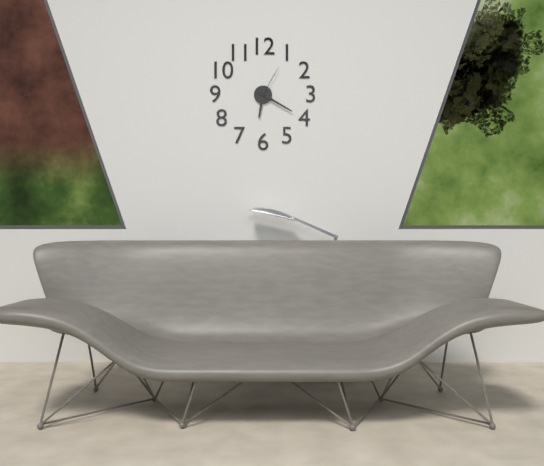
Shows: h=6 m=20
